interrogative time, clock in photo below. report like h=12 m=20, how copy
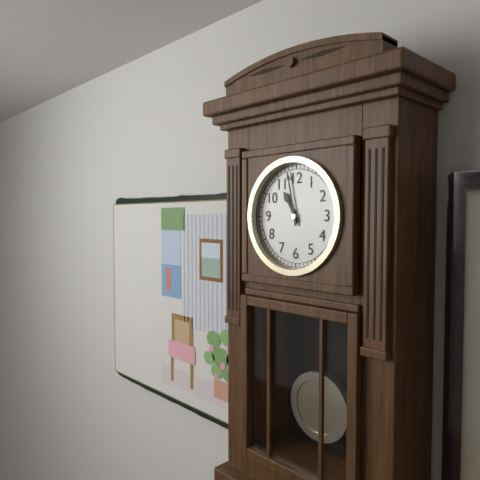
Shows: h=10 m=58
